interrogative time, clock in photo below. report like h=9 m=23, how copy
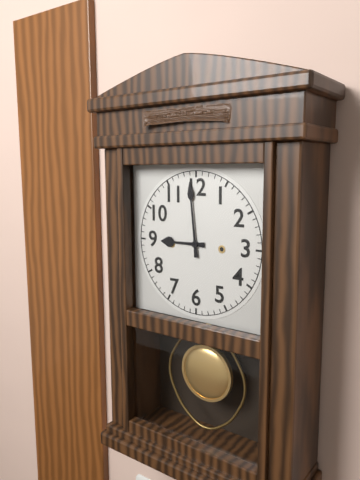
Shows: h=8 m=59
